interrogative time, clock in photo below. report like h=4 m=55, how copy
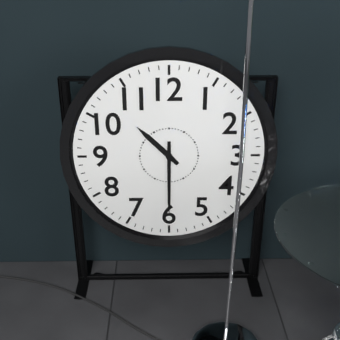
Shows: h=10 m=30
